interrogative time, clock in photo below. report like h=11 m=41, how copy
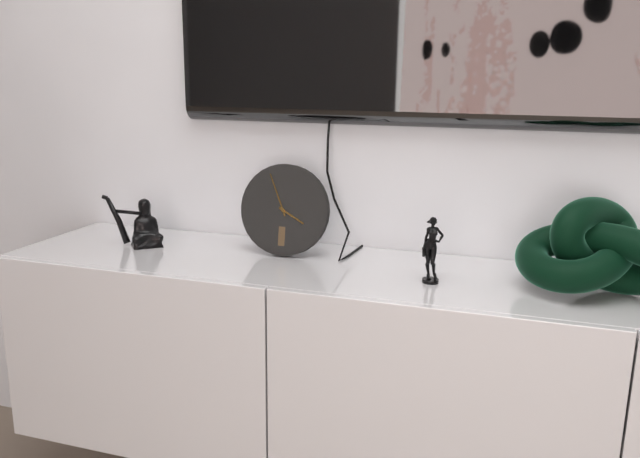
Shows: h=3 m=56
